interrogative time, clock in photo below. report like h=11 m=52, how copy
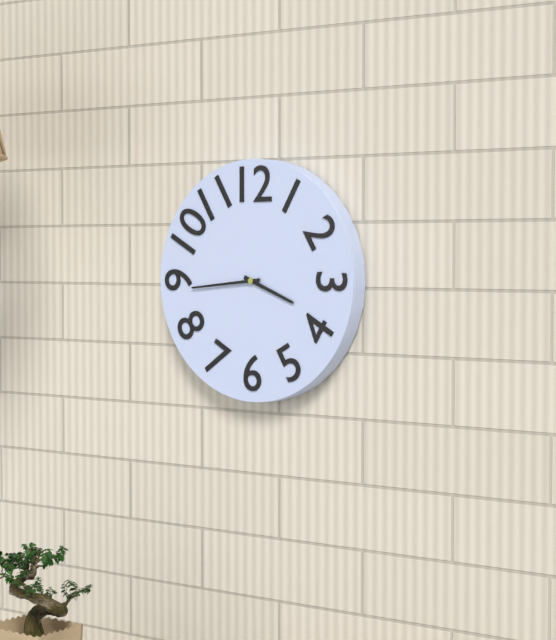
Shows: h=3 m=44
